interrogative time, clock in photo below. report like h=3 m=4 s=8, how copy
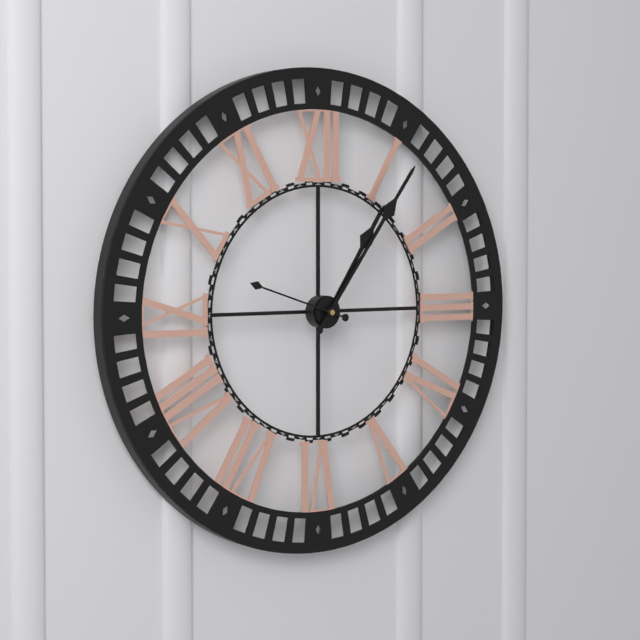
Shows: h=1 m=6 s=48
